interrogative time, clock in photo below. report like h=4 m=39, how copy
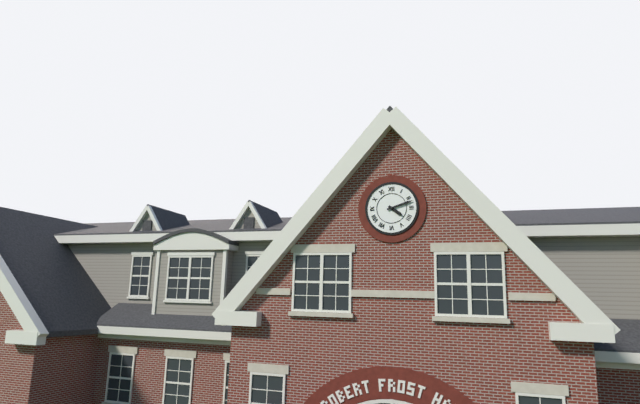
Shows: h=4 m=12
